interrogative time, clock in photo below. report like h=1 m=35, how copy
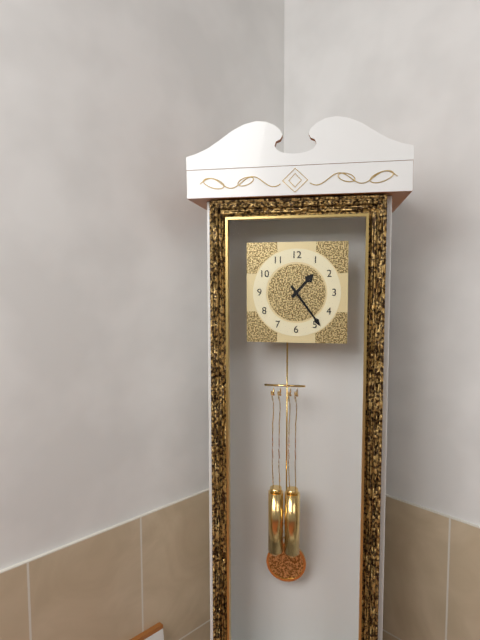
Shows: h=1 m=24
